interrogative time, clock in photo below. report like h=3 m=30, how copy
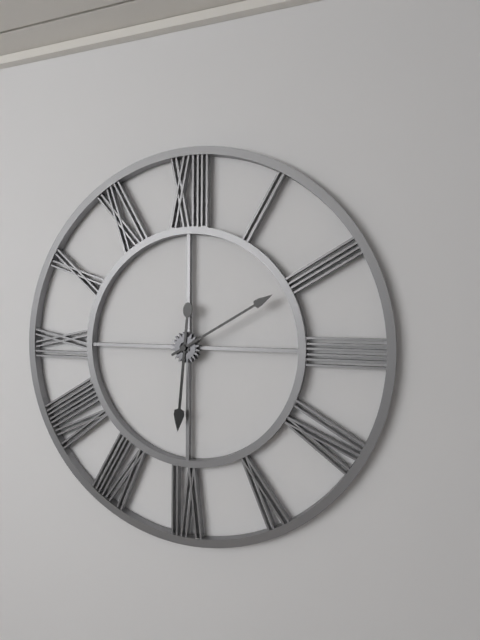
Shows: h=6 m=10
